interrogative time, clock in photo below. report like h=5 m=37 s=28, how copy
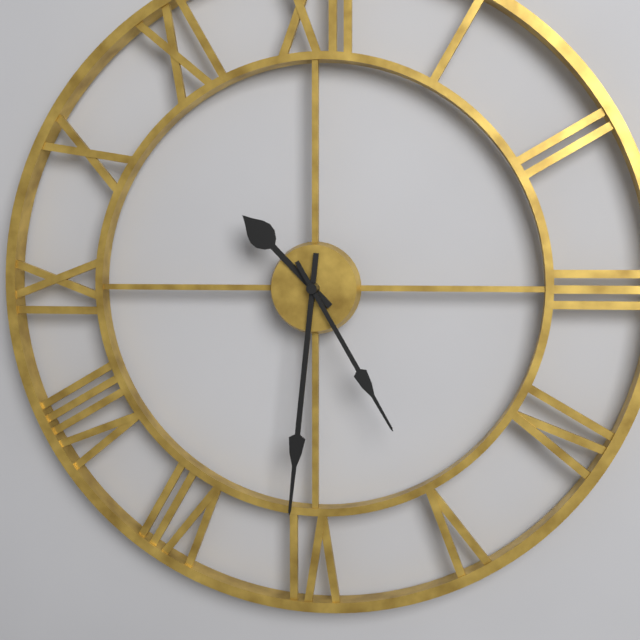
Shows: h=10 m=31 s=25
